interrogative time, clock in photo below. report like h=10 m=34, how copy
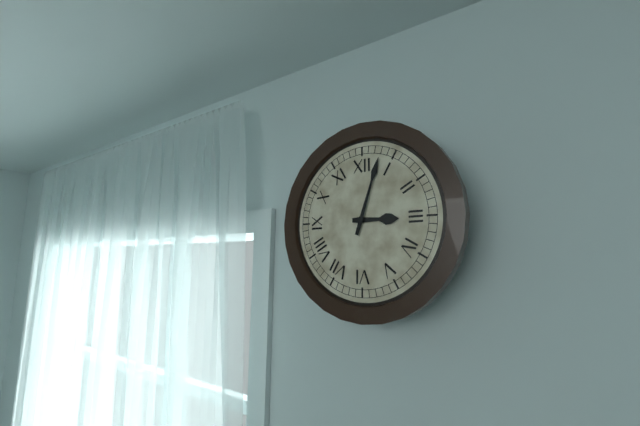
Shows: h=3 m=3
